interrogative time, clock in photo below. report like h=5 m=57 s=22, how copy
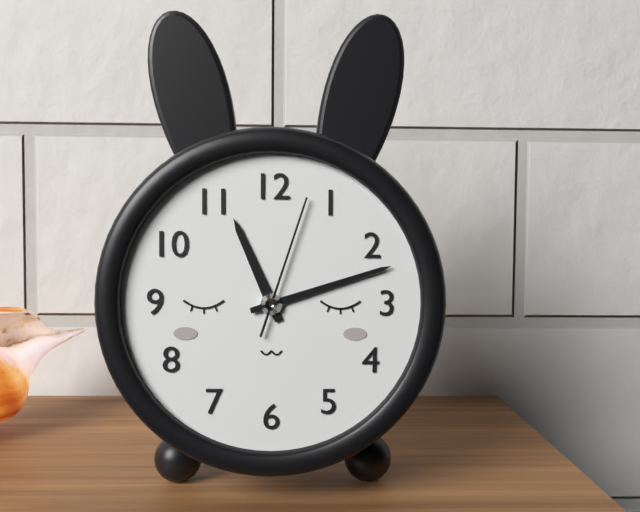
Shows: h=11 m=12 s=3
